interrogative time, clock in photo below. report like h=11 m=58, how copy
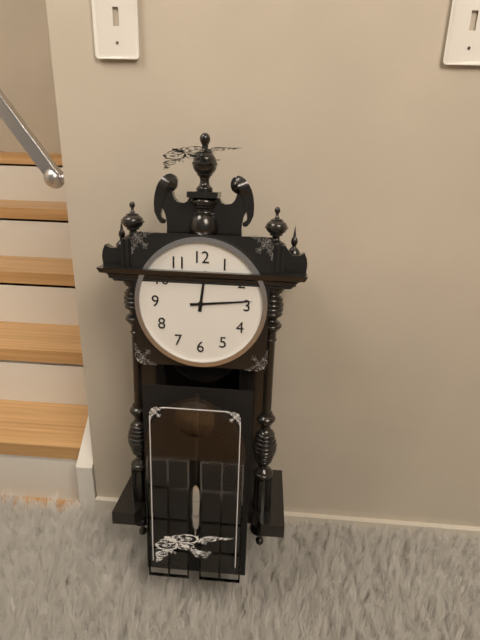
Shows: h=12 m=14
